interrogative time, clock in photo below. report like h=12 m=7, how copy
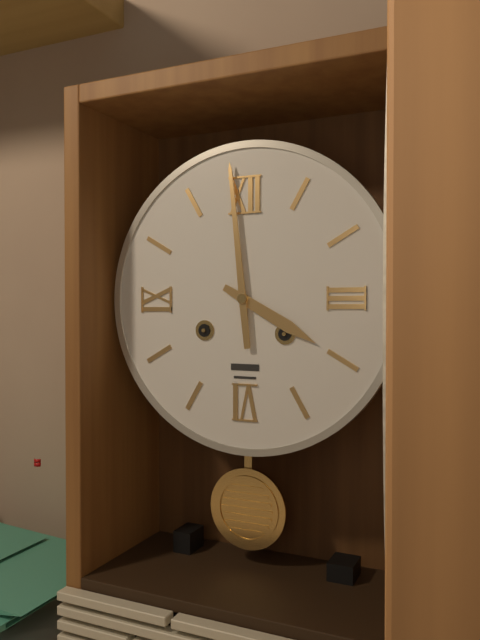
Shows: h=3 m=59
